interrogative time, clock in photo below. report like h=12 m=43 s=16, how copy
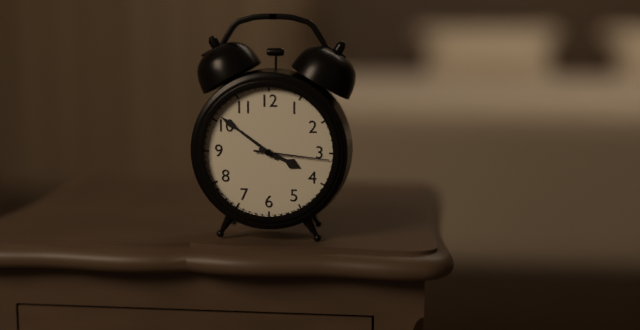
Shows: h=3 m=51 s=16
